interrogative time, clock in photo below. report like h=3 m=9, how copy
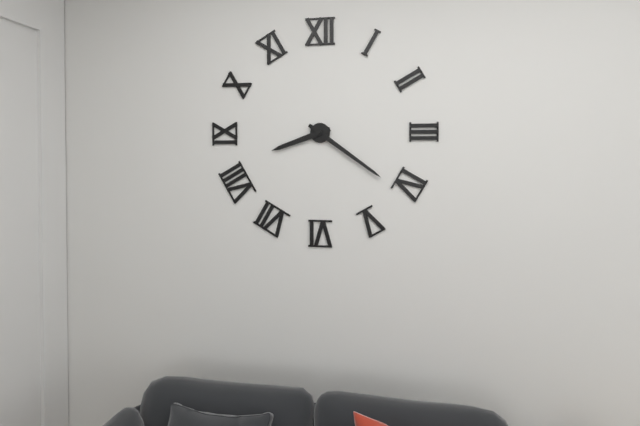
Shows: h=8 m=21
